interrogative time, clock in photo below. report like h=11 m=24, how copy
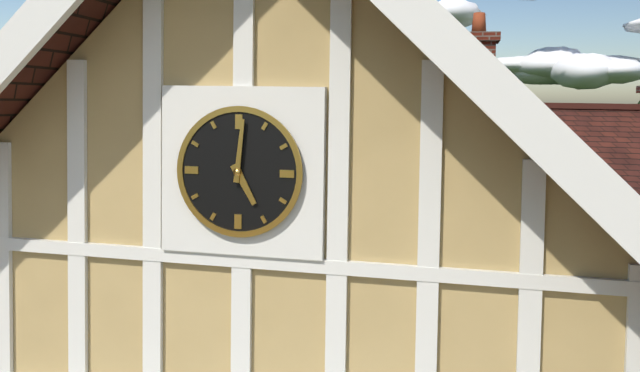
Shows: h=5 m=1
